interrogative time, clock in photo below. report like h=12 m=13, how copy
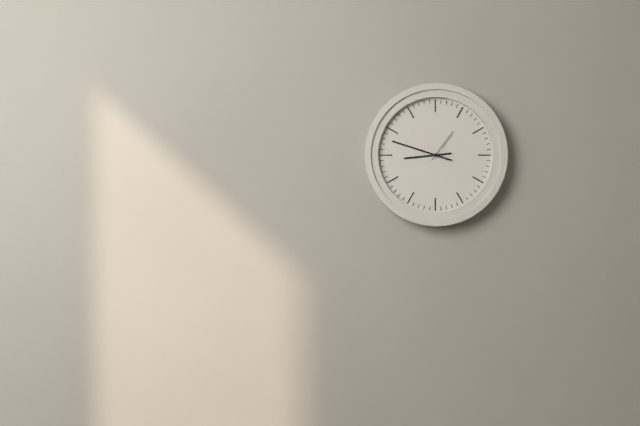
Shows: h=8 m=48
